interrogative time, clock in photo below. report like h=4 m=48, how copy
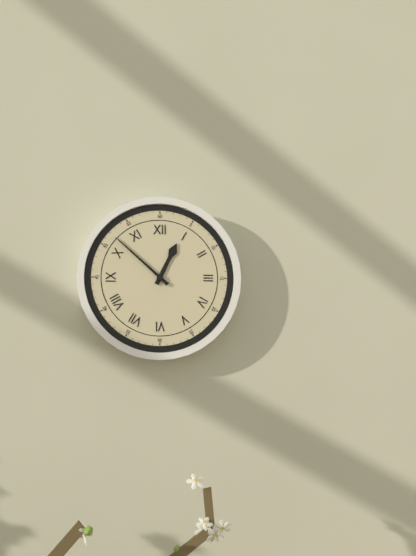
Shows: h=12 m=52
